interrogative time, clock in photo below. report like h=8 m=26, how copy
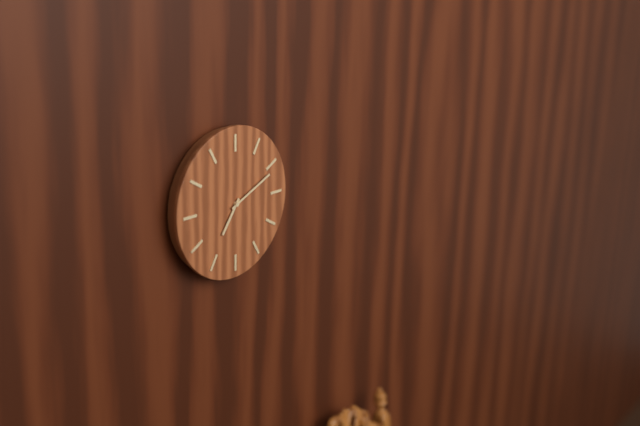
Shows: h=7 m=11
